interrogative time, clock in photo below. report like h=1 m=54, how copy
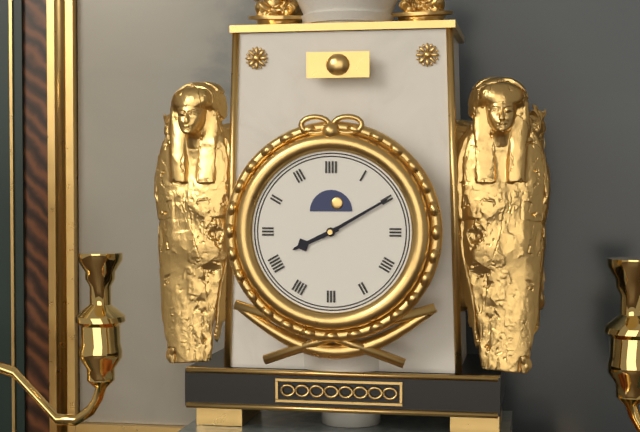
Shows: h=8 m=10
